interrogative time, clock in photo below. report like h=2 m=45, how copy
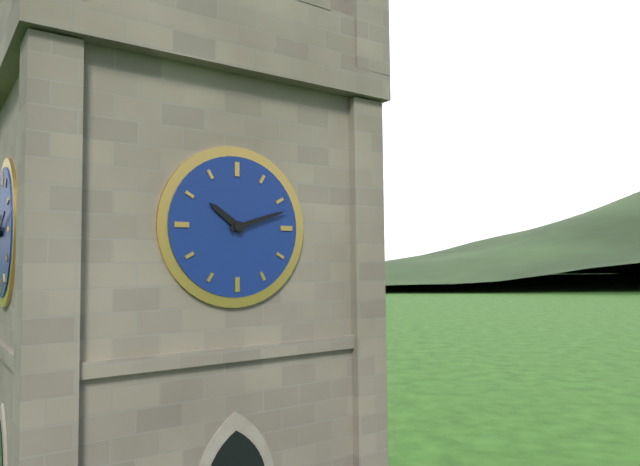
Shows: h=10 m=12
